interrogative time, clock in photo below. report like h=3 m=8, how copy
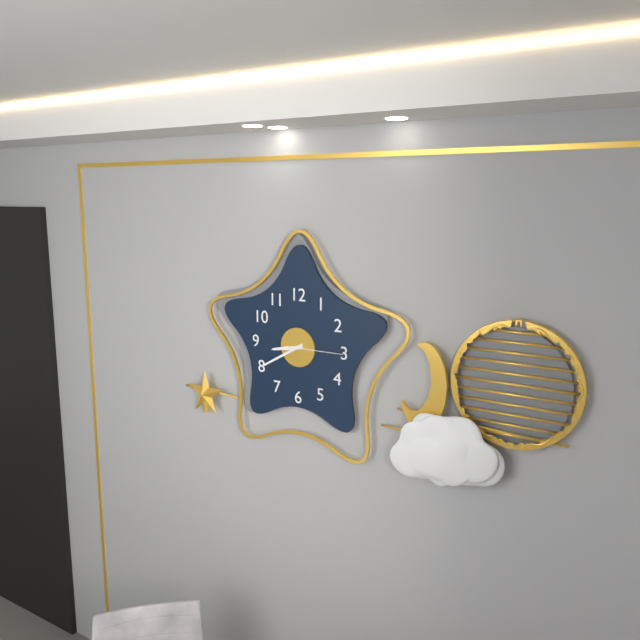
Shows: h=8 m=40
